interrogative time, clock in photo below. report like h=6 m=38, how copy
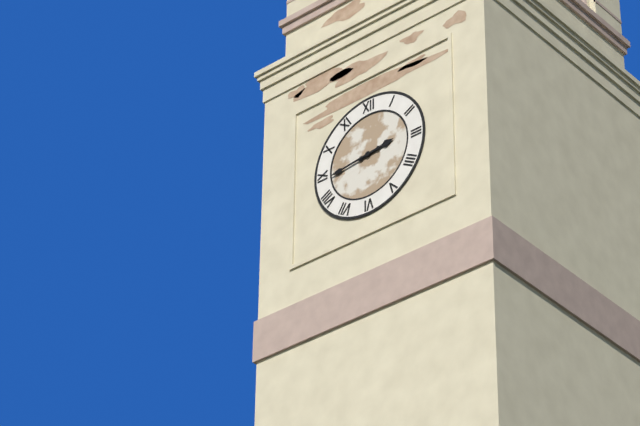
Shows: h=2 m=44
